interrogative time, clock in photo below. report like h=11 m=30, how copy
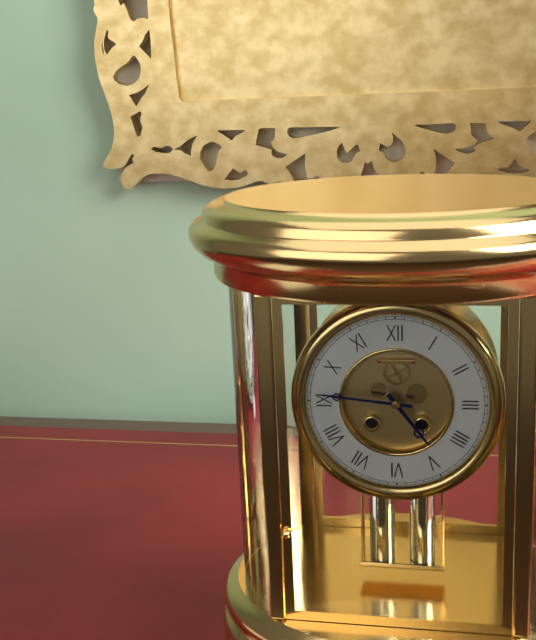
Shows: h=4 m=46
